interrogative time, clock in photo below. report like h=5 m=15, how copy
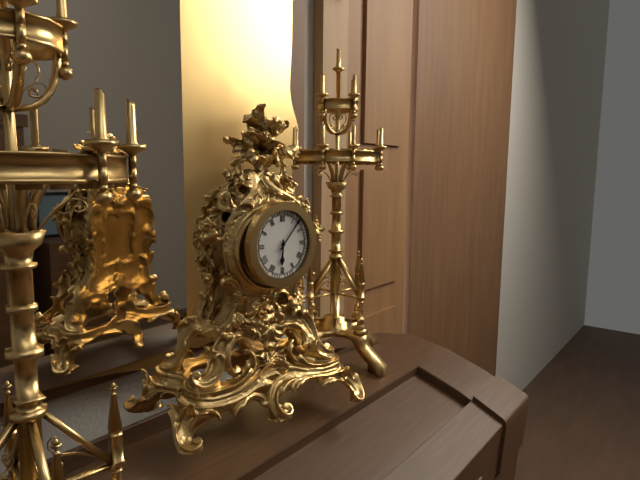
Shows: h=6 m=7
